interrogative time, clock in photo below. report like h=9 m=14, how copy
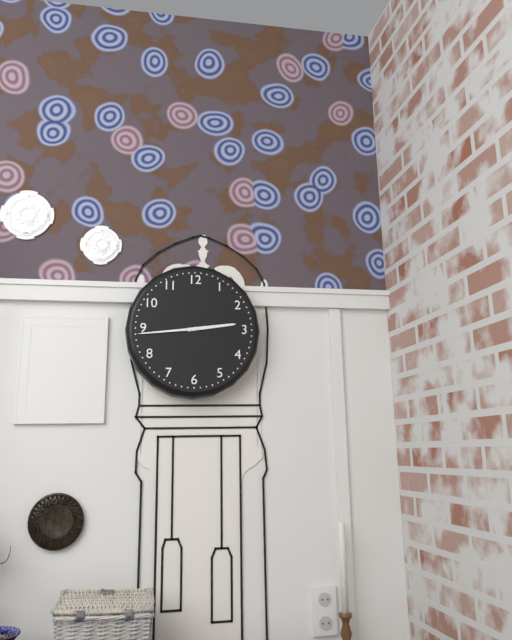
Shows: h=2 m=44
